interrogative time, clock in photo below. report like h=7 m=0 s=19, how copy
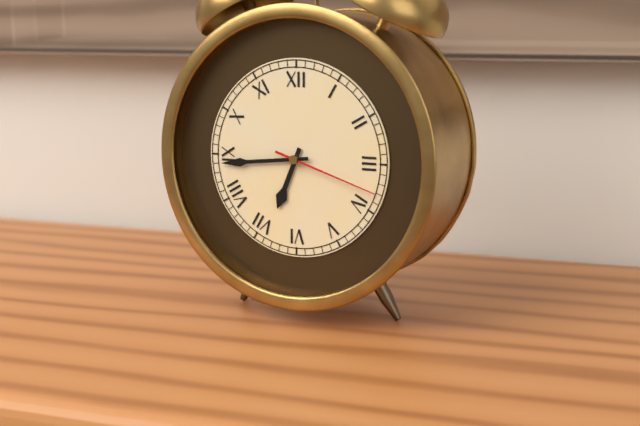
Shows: h=6 m=44 s=18
